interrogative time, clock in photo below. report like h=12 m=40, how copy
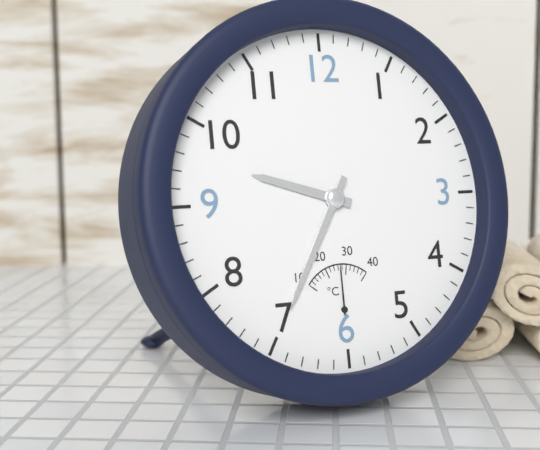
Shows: h=9 m=35
